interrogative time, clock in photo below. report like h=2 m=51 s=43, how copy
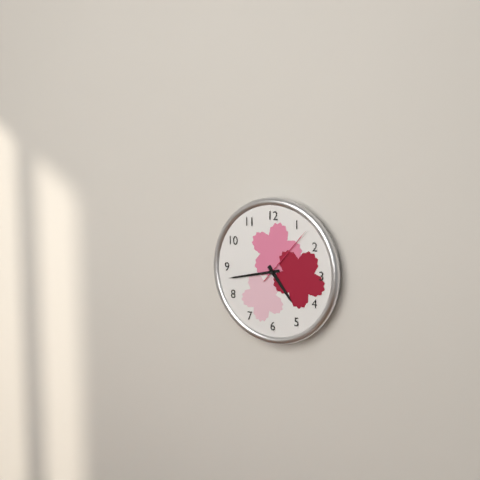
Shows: h=4 m=43 s=7
